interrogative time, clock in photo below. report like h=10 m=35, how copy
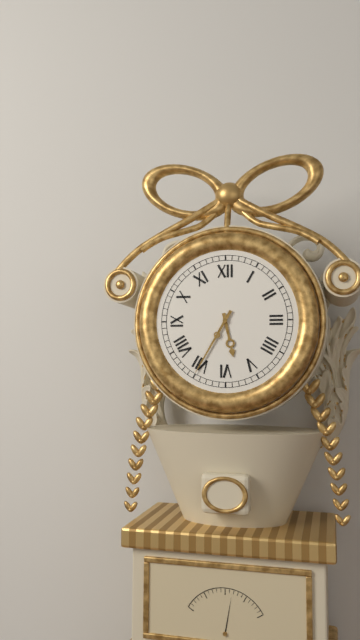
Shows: h=5 m=35
